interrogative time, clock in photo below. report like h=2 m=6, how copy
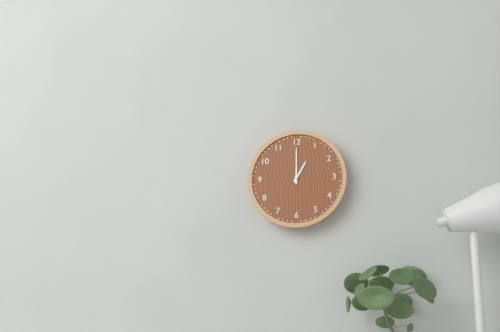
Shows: h=1 m=0
